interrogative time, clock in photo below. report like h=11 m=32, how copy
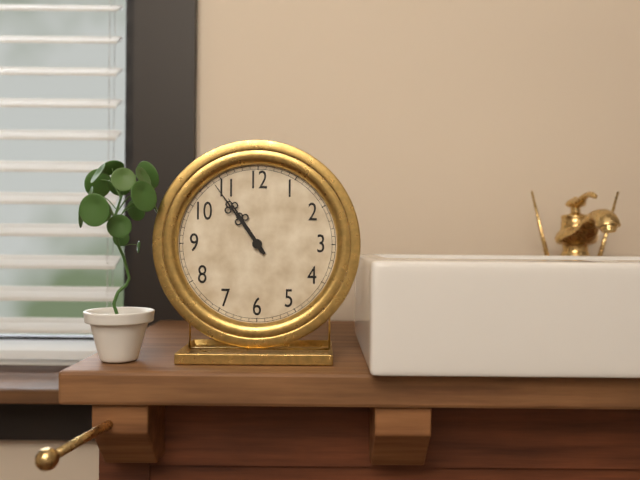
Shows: h=10 m=54
